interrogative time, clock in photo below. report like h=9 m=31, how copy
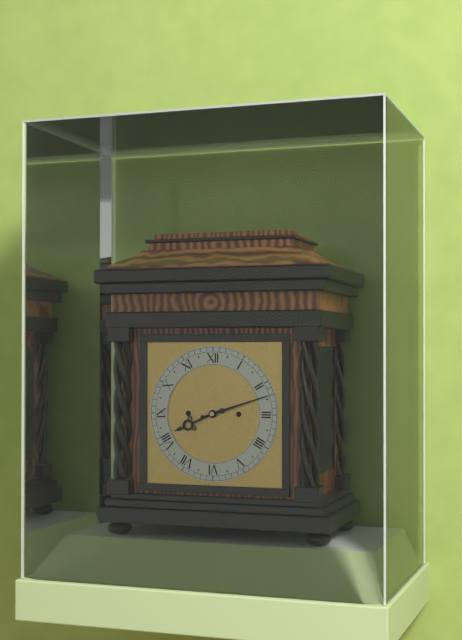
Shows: h=8 m=12
